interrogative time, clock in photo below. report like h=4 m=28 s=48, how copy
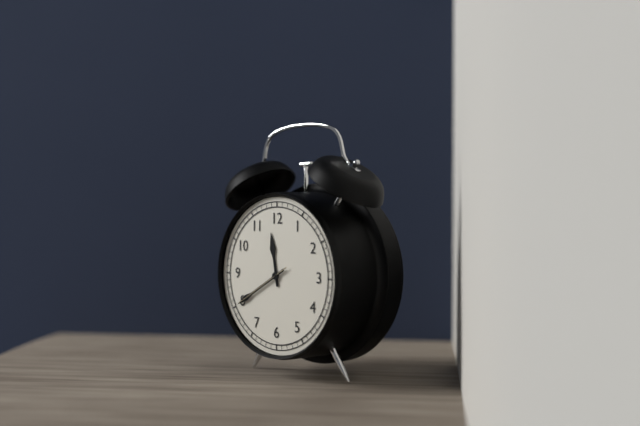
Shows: h=11 m=40 s=40
